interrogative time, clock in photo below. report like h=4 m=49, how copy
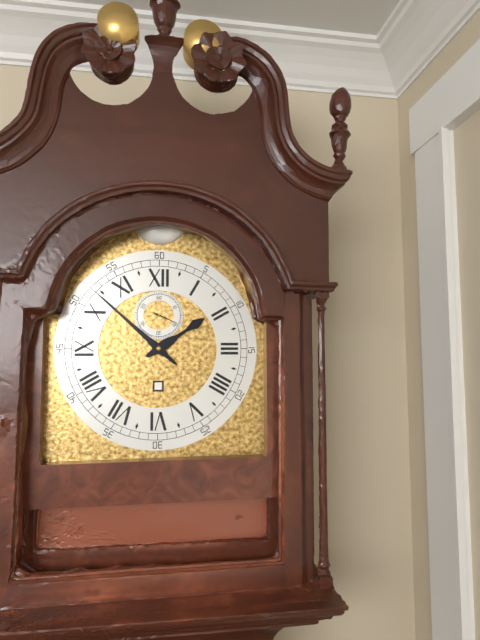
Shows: h=1 m=52
